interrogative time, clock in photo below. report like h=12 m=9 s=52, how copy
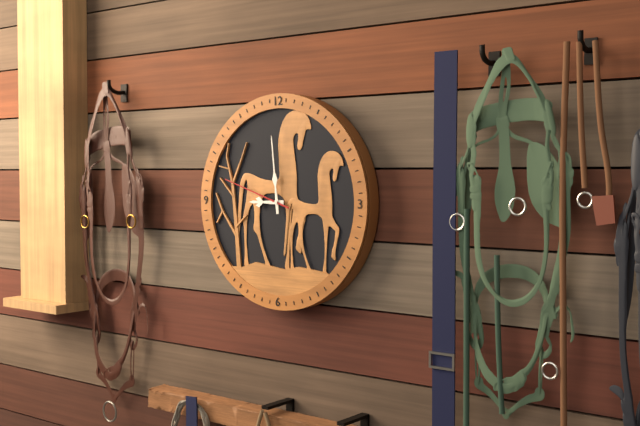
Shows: h=8 m=59 s=48
